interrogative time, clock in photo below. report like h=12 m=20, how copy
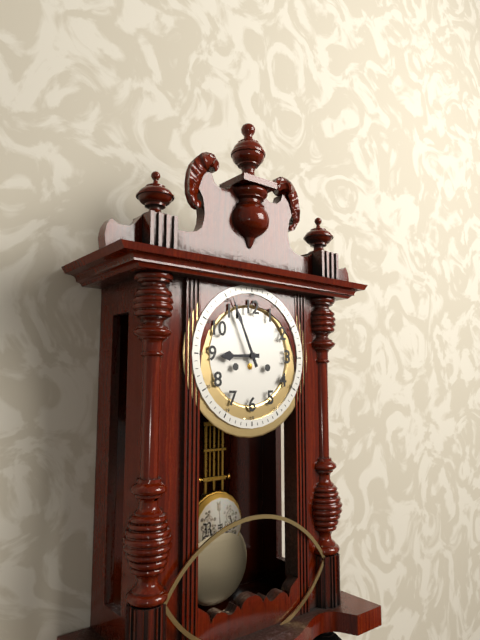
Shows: h=8 m=56
